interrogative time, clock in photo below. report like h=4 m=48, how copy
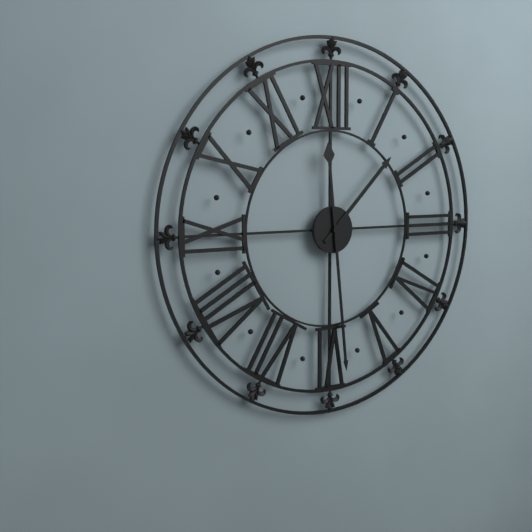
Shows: h=1 m=29
